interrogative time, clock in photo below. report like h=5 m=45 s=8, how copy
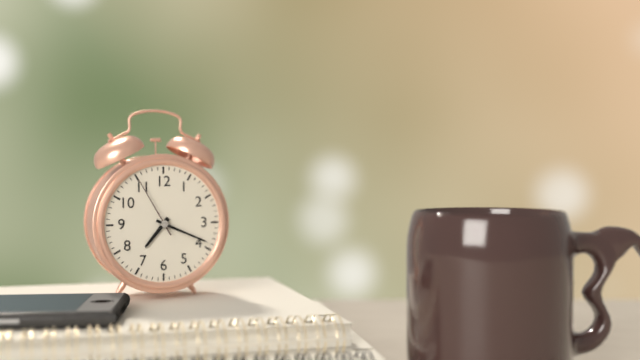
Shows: h=7 m=19 s=55
